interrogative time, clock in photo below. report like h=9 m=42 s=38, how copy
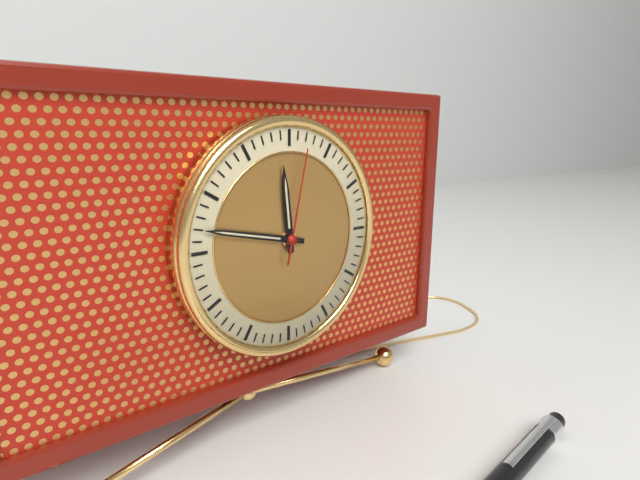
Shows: h=11 m=47 s=2
